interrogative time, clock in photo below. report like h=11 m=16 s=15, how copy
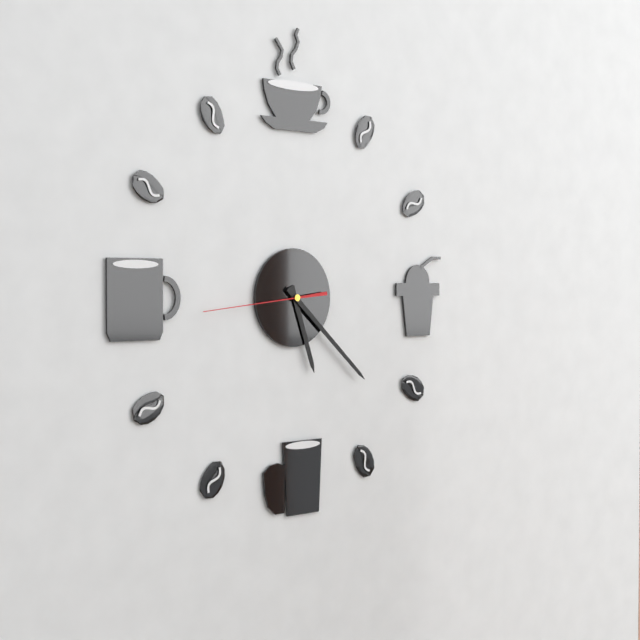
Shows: h=5 m=22 s=44
